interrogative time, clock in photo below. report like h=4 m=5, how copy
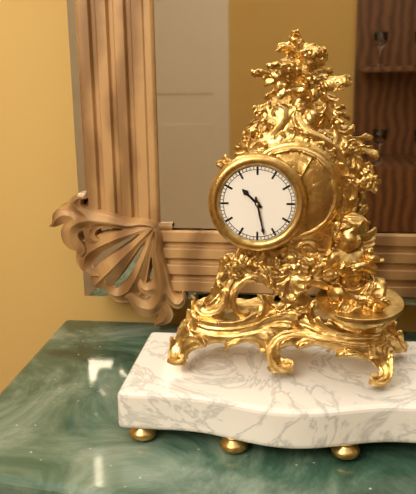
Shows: h=10 m=28
